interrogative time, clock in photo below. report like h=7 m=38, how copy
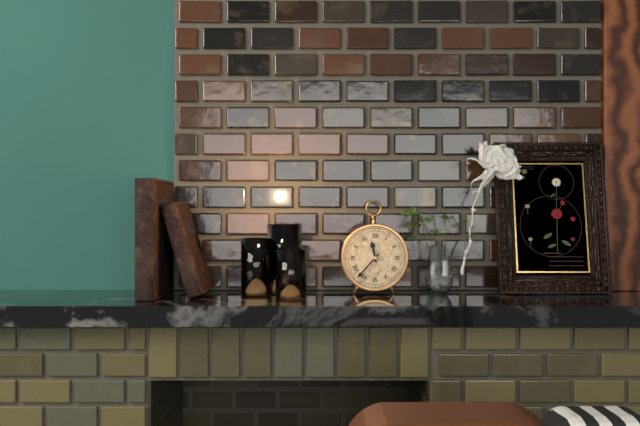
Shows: h=11 m=37
